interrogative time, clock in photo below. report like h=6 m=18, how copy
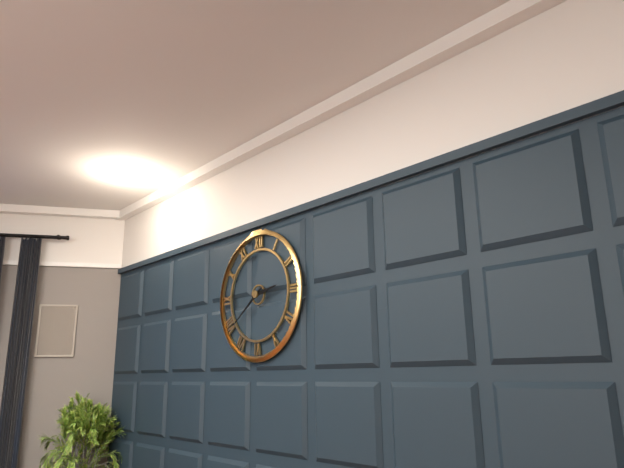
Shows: h=2 m=39
